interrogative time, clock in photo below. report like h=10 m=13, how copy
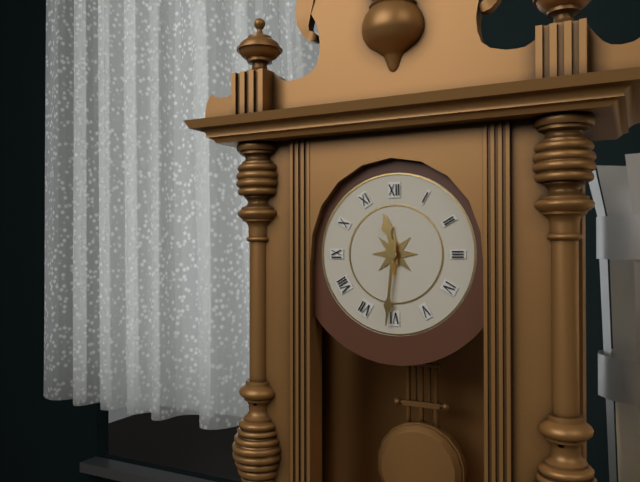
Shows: h=11 m=31
